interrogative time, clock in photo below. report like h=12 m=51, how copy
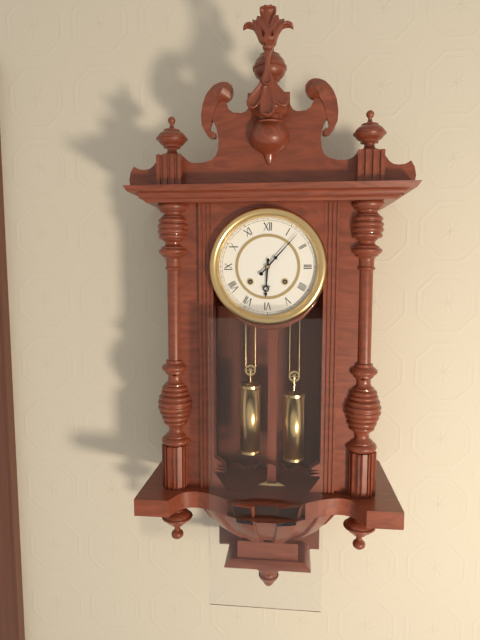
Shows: h=6 m=7
